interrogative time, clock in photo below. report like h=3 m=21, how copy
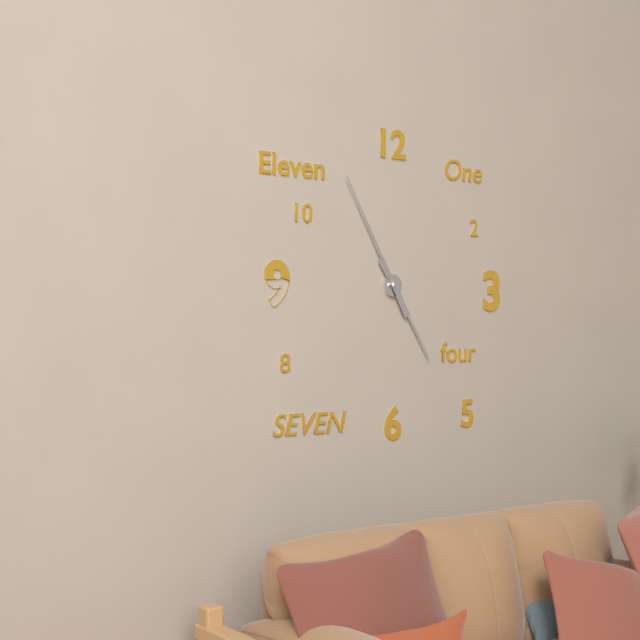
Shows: h=4 m=55
